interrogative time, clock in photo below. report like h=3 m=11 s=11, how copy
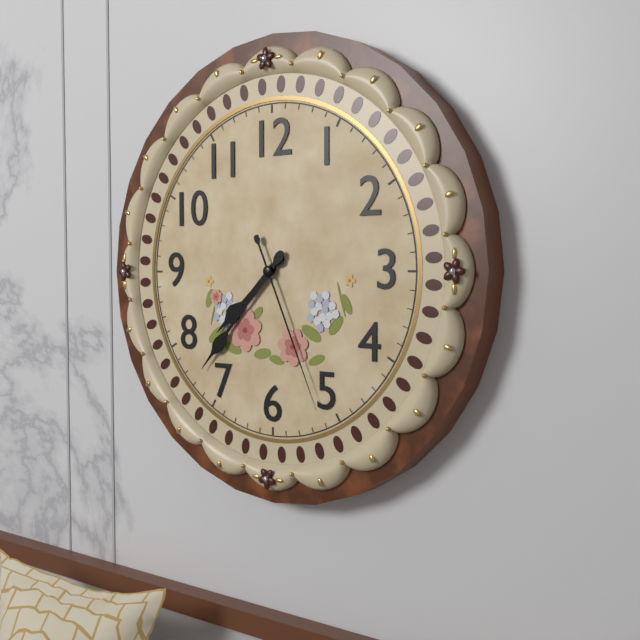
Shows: h=7 m=37 s=26
